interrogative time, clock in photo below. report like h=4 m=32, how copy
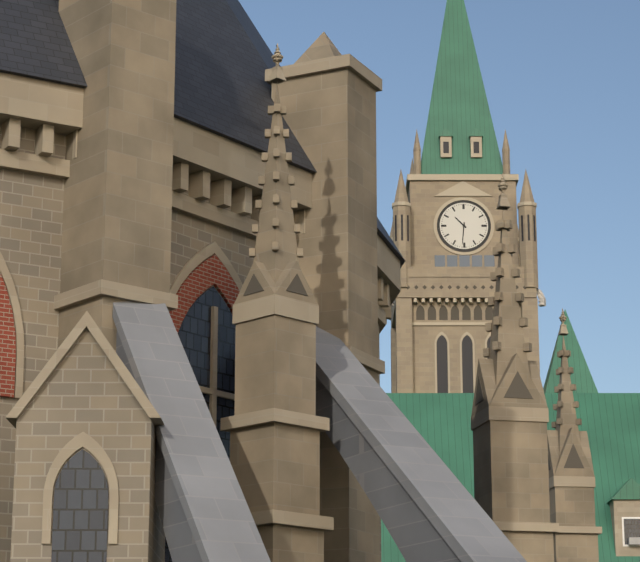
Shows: h=10 m=31
